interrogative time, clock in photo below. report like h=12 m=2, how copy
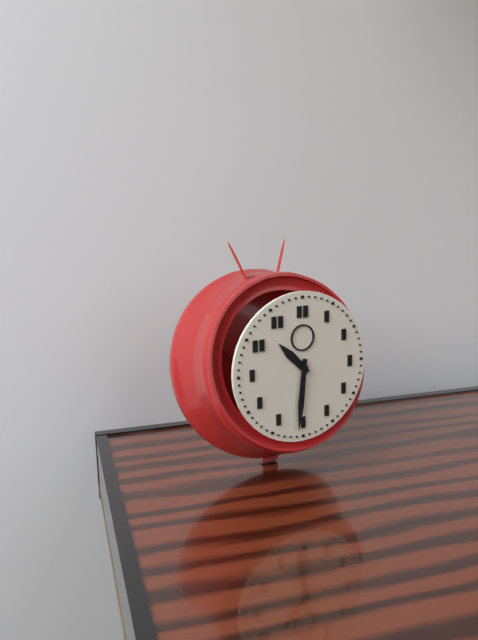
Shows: h=10 m=31
